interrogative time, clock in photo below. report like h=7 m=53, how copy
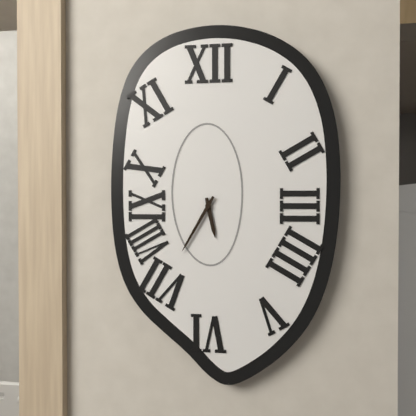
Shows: h=5 m=35
